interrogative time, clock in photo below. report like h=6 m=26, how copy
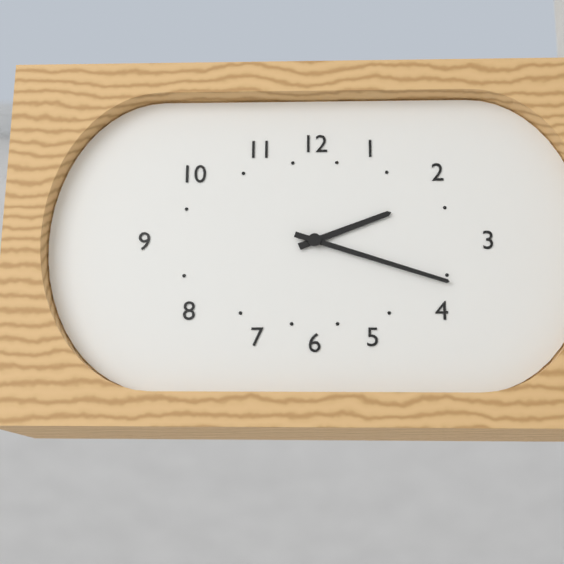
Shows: h=2 m=18
